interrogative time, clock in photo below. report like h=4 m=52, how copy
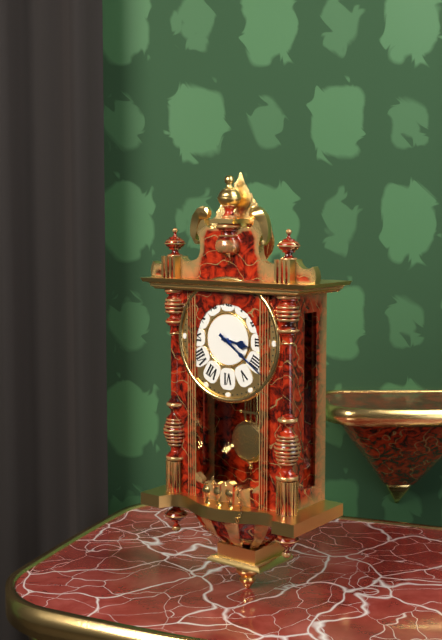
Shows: h=3 m=21
